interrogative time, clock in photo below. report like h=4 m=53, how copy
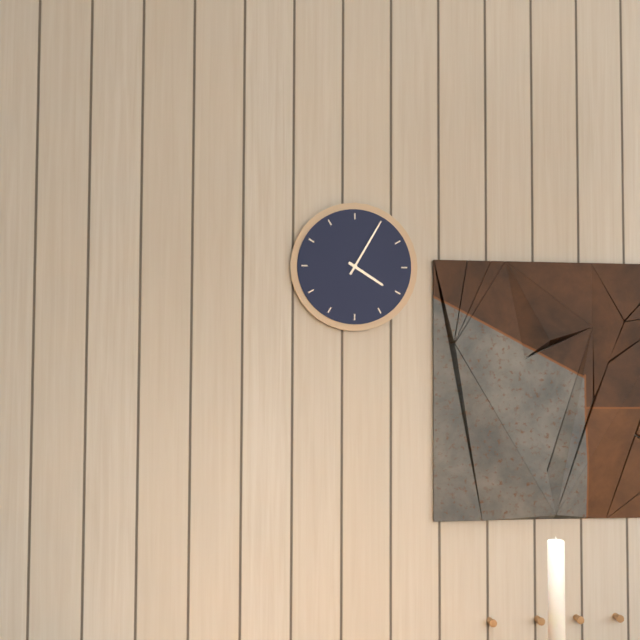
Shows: h=4 m=5
